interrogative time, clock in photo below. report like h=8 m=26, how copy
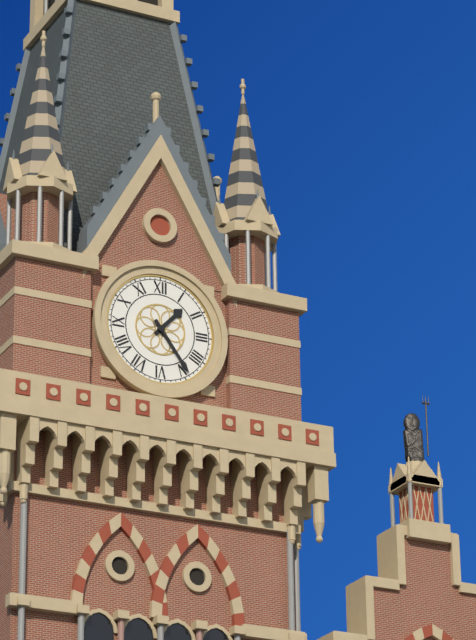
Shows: h=1 m=24
